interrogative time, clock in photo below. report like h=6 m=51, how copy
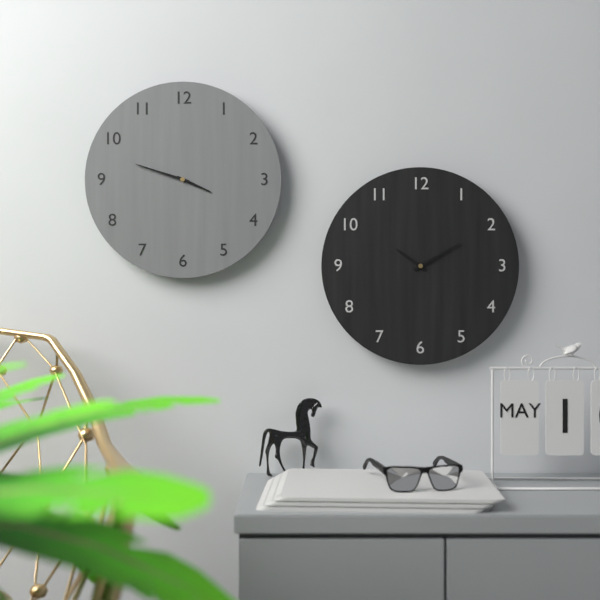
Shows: h=3 m=48
